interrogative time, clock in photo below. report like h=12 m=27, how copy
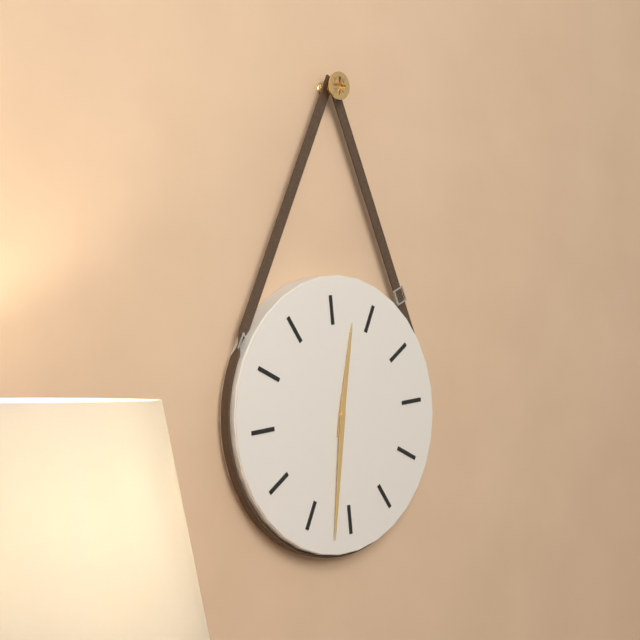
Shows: h=12 m=32
